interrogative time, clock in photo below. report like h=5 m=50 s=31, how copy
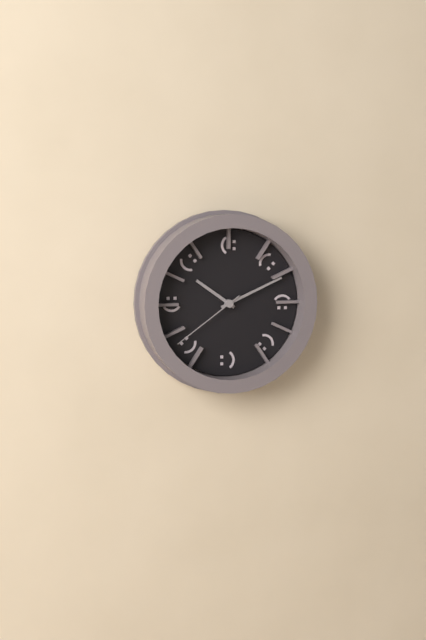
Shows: h=10 m=11 s=39
